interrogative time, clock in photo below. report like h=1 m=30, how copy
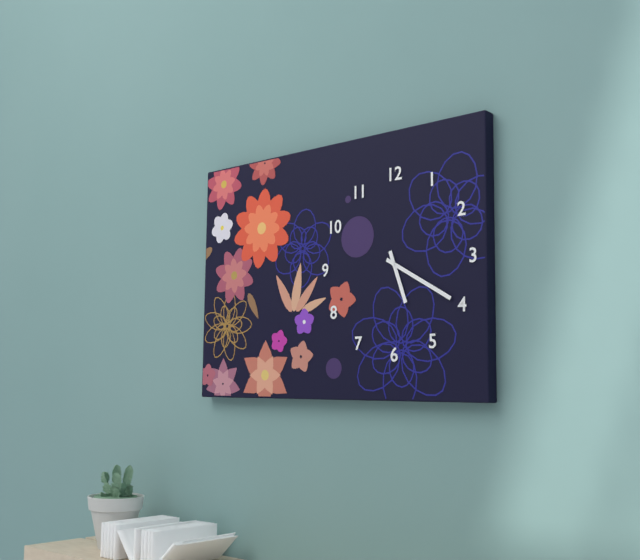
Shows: h=5 m=20
